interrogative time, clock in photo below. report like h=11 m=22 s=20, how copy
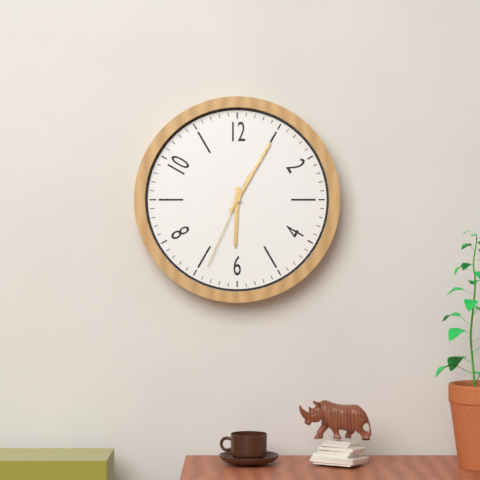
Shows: h=6 m=5 s=34
